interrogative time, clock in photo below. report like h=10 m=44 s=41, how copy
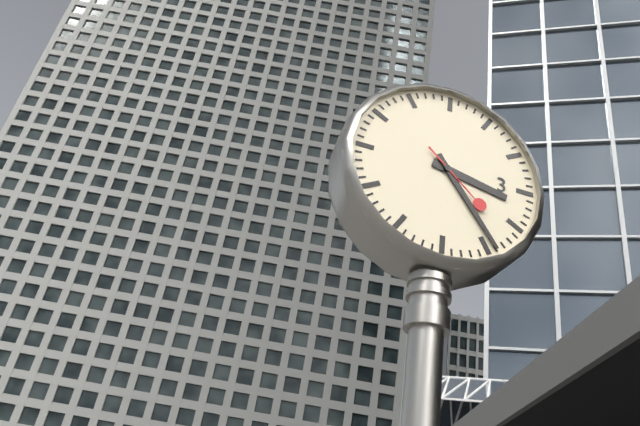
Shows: h=3 m=24 s=22
